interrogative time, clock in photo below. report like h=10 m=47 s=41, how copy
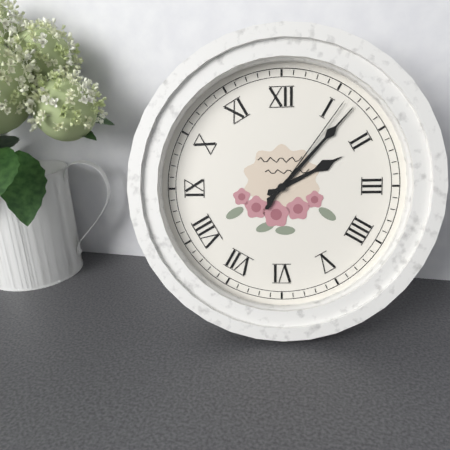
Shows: h=2 m=7 s=6
